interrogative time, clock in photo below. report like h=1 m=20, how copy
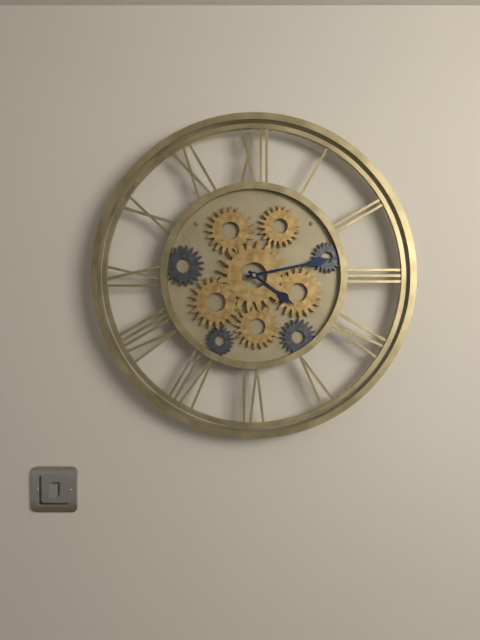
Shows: h=4 m=13
